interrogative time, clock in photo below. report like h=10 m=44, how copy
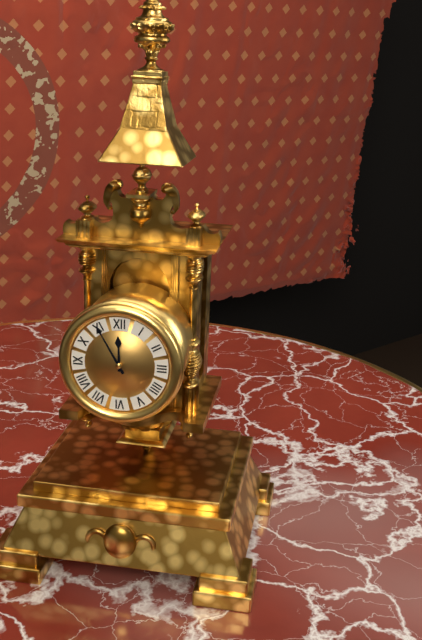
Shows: h=11 m=55
